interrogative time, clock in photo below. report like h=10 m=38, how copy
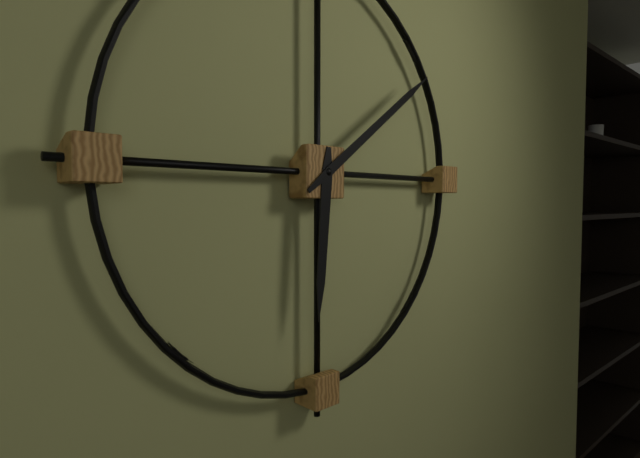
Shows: h=6 m=9
